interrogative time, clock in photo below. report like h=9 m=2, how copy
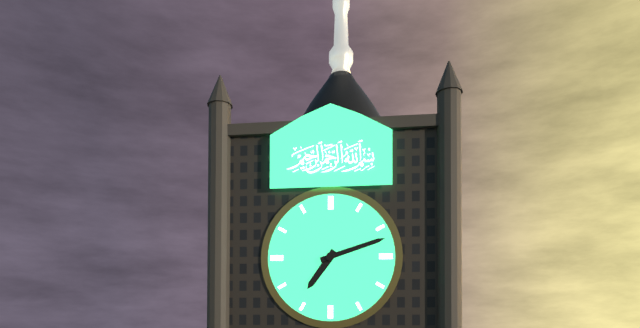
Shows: h=7 m=12
